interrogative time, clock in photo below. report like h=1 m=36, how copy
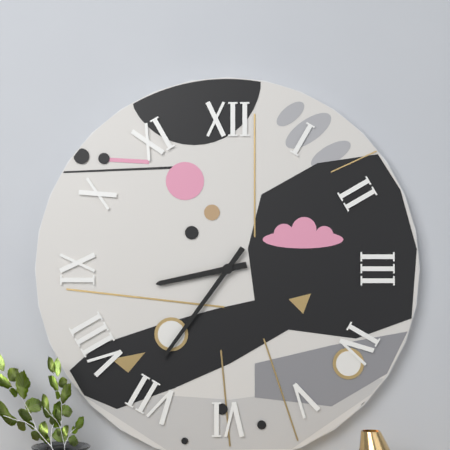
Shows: h=8 m=36
